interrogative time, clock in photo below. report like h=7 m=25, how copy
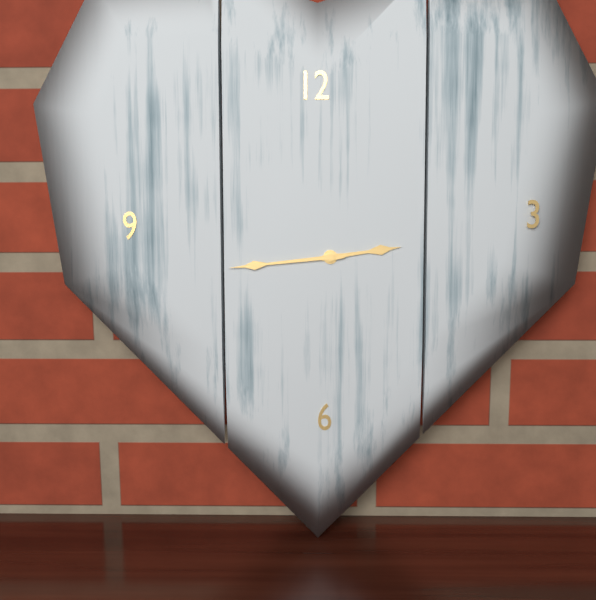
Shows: h=2 m=44
